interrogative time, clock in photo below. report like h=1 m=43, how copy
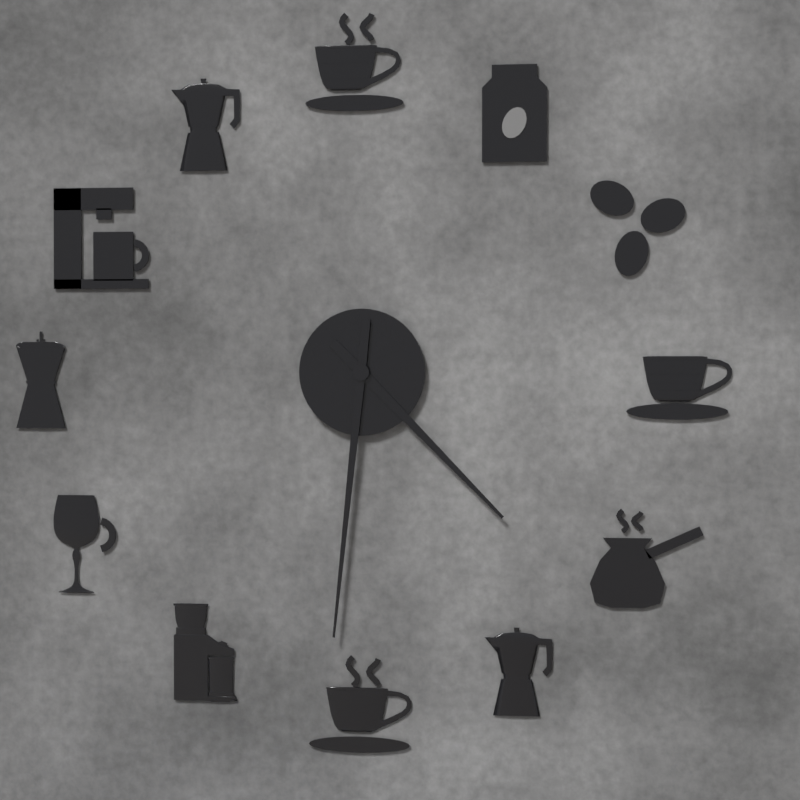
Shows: h=4 m=31
